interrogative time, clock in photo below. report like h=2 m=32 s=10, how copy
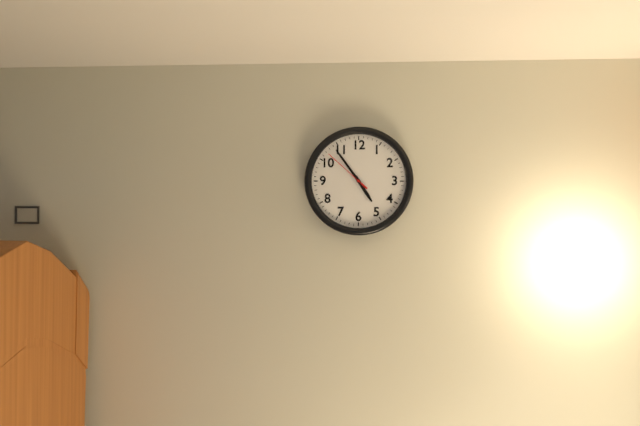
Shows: h=4 m=54 s=52
